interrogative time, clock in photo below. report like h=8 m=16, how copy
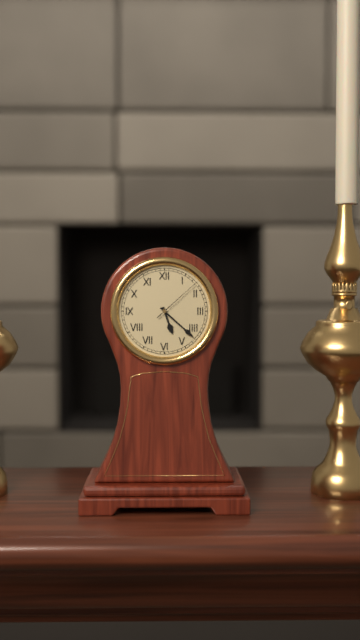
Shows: h=5 m=22
